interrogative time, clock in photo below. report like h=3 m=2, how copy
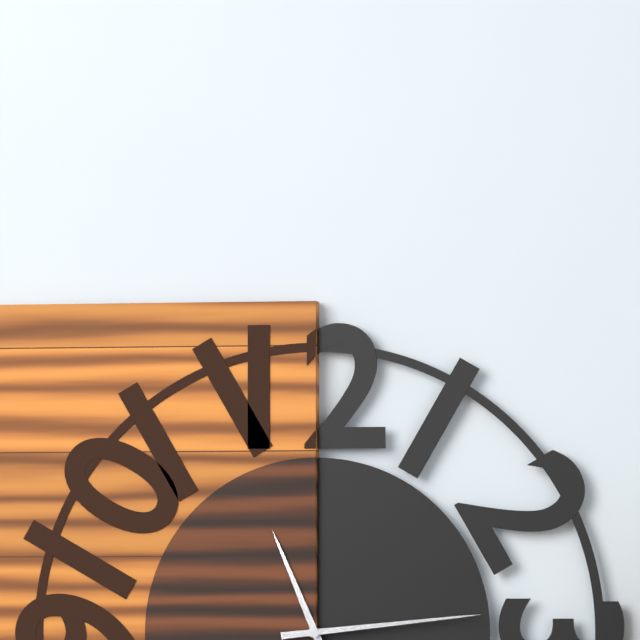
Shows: h=11 m=14
